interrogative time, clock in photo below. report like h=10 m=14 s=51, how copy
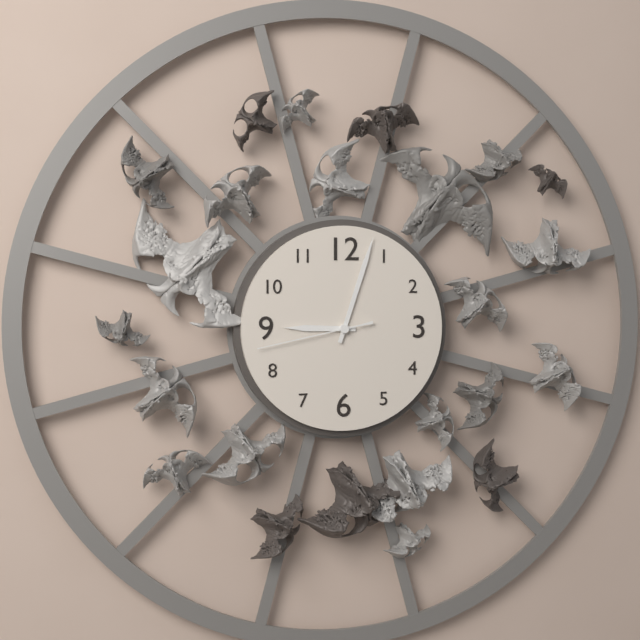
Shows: h=9 m=3 s=43
